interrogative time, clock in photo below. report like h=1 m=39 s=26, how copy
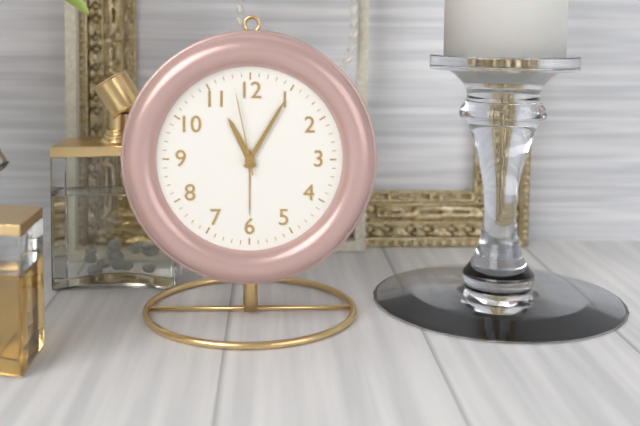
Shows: h=11 m=5 s=58
